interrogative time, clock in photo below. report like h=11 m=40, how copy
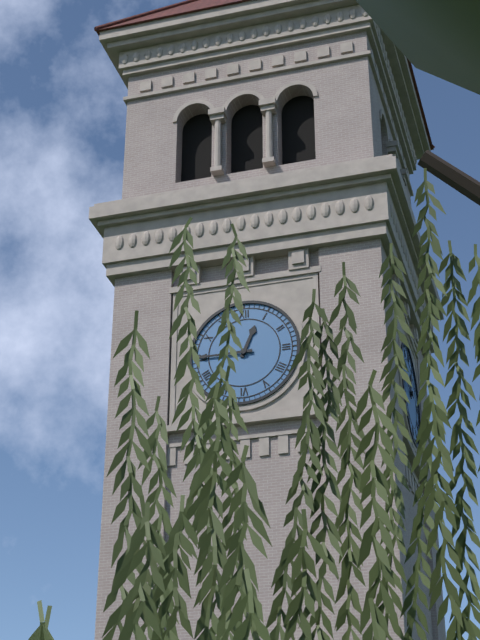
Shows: h=12 m=45
